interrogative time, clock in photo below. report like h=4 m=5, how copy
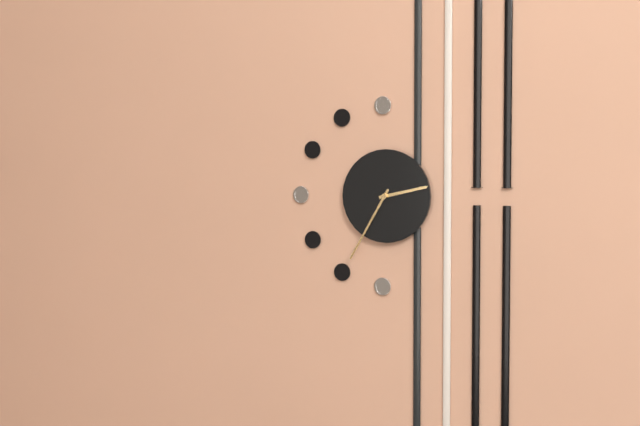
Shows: h=2 m=35
